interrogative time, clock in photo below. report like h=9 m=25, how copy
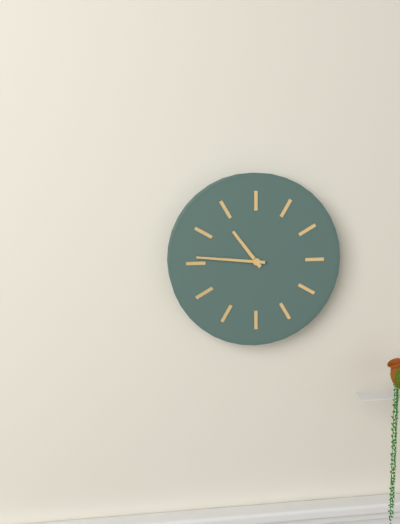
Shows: h=10 m=46
